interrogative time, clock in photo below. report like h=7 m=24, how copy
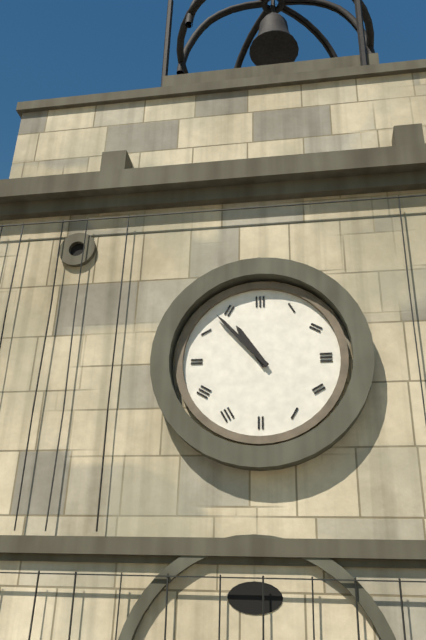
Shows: h=10 m=53
